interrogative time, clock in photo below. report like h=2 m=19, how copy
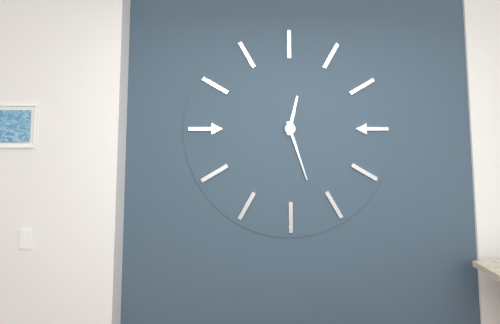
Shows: h=12 m=27
